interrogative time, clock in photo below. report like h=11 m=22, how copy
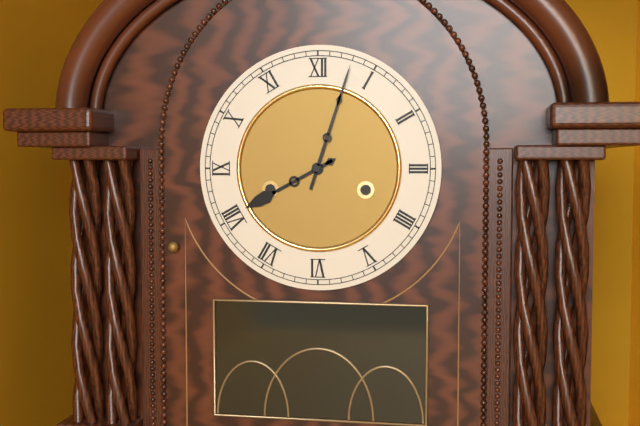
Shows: h=8 m=3
